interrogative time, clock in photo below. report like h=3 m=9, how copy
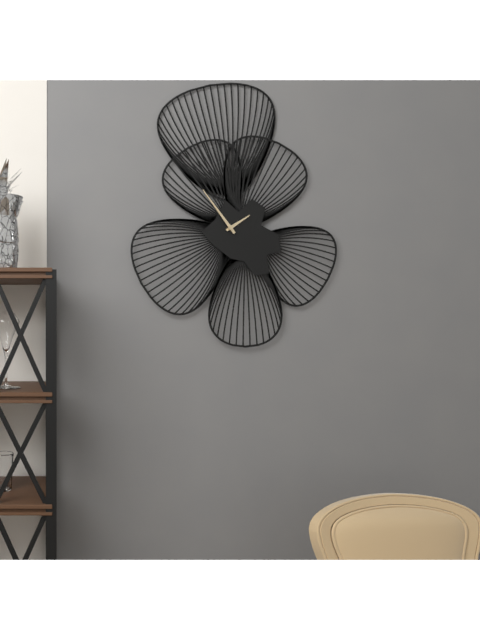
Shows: h=1 m=54
